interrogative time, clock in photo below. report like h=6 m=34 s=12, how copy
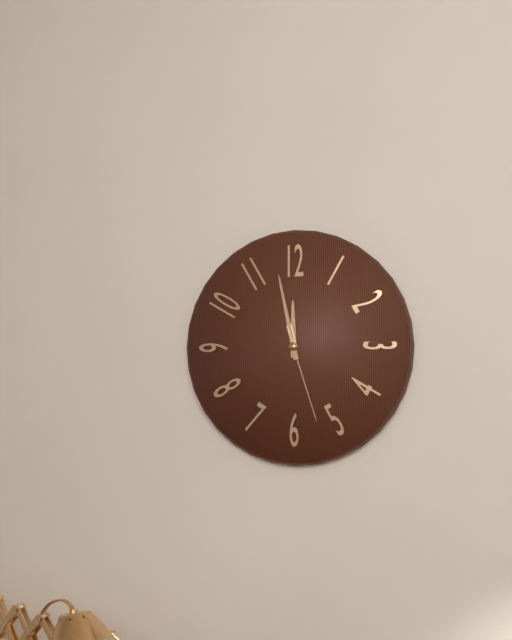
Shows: h=11 m=58 s=27
